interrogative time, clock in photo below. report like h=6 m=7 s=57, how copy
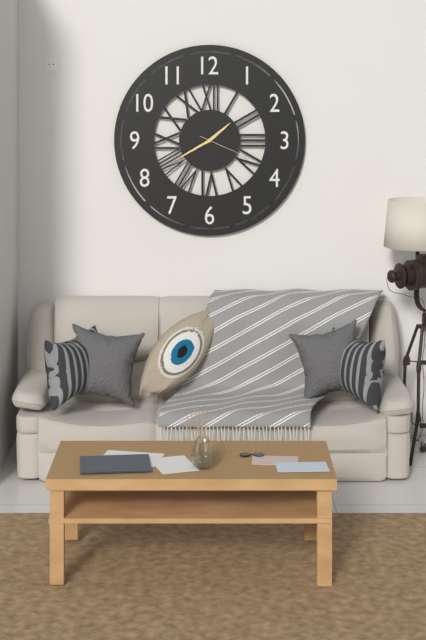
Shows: h=1 m=40 s=19
